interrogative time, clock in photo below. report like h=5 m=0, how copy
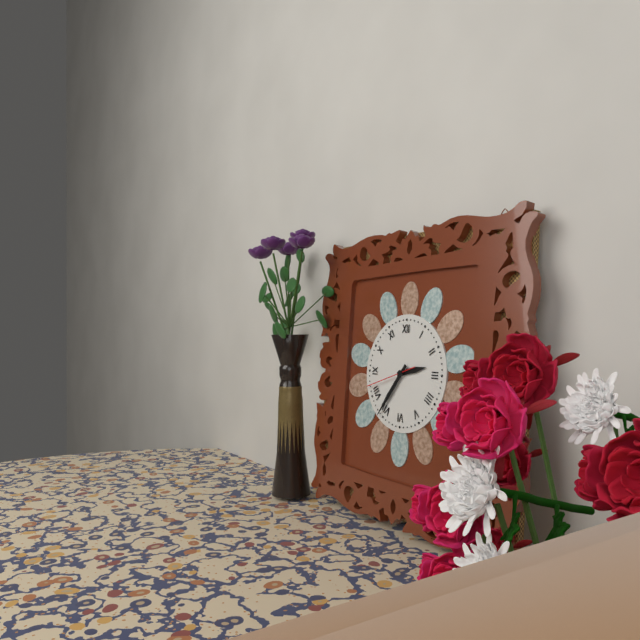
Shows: h=2 m=36
